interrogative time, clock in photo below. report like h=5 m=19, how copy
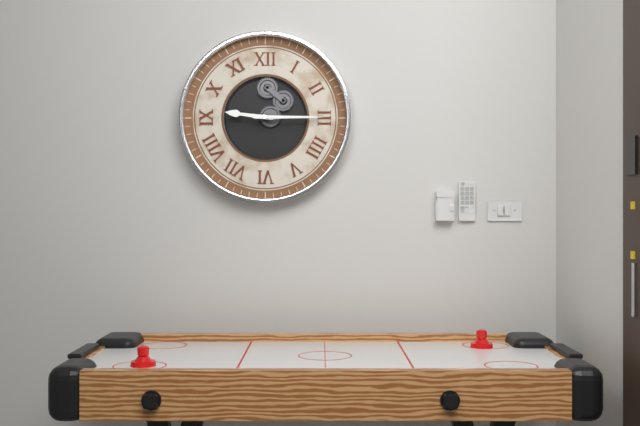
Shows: h=9 m=15
